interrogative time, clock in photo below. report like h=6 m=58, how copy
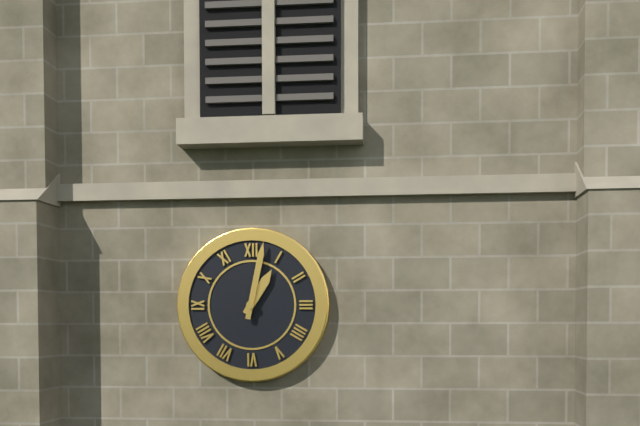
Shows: h=1 m=2
